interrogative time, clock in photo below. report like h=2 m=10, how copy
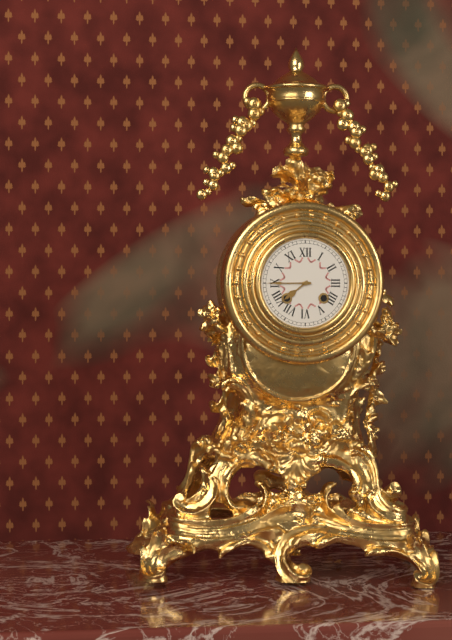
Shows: h=7 m=45
